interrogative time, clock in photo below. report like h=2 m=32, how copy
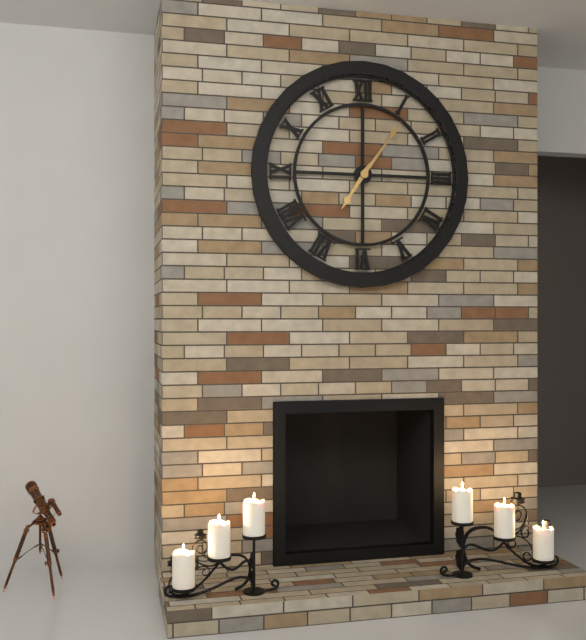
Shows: h=7 m=6
